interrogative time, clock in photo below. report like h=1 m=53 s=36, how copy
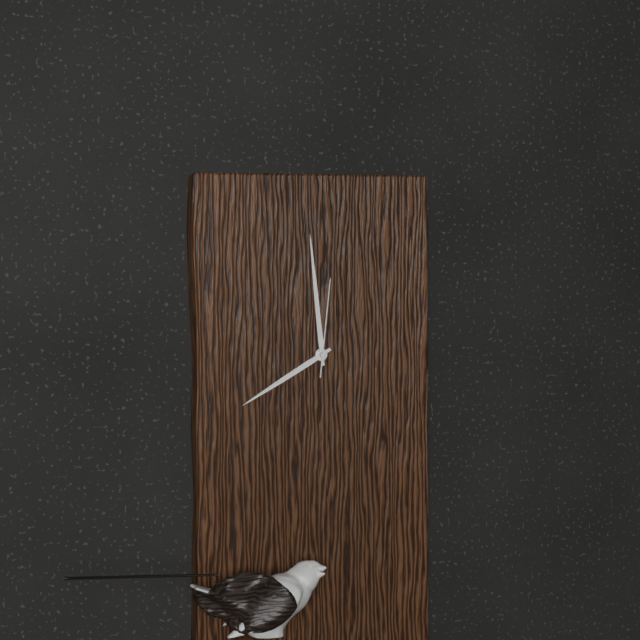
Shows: h=7 m=59 s=1
